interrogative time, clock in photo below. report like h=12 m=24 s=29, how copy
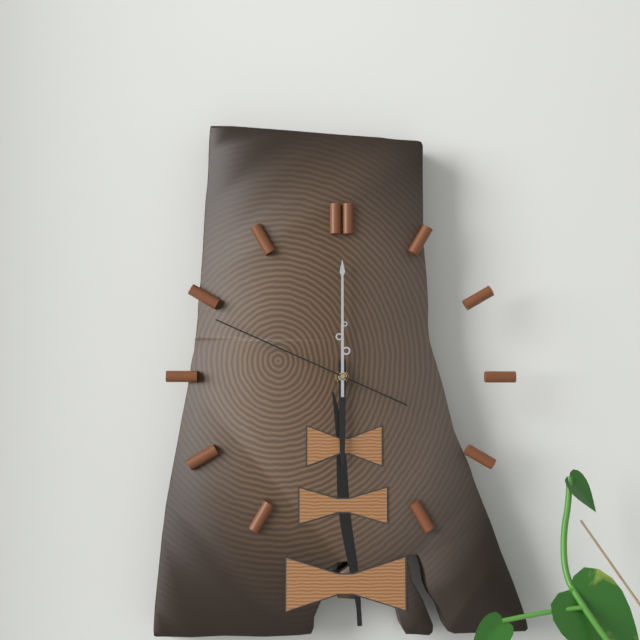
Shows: h=6 m=0 s=49
